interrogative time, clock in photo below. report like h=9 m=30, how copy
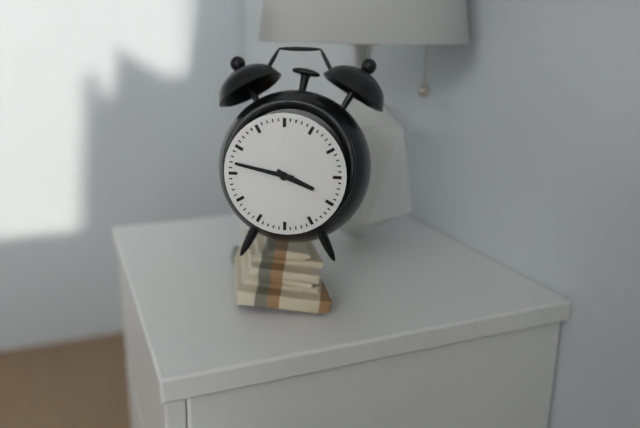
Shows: h=3 m=47
